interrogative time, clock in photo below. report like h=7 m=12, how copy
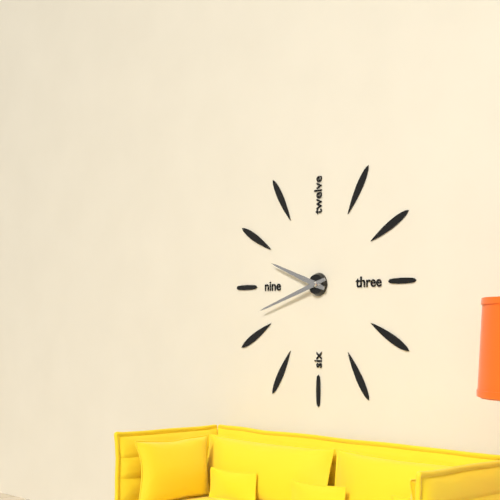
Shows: h=9 m=42
